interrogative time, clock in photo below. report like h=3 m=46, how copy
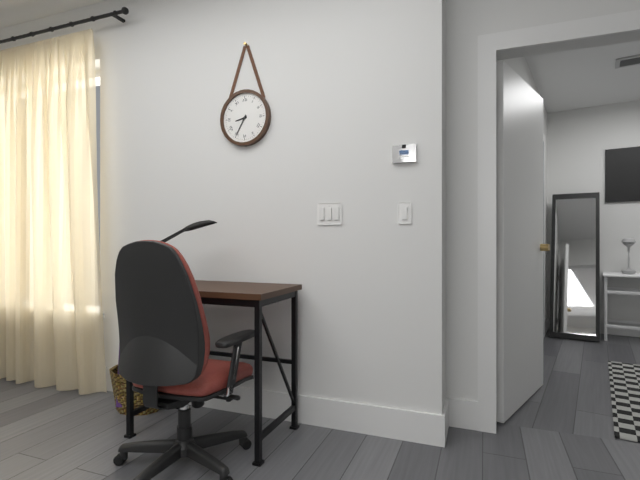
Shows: h=8 m=35
